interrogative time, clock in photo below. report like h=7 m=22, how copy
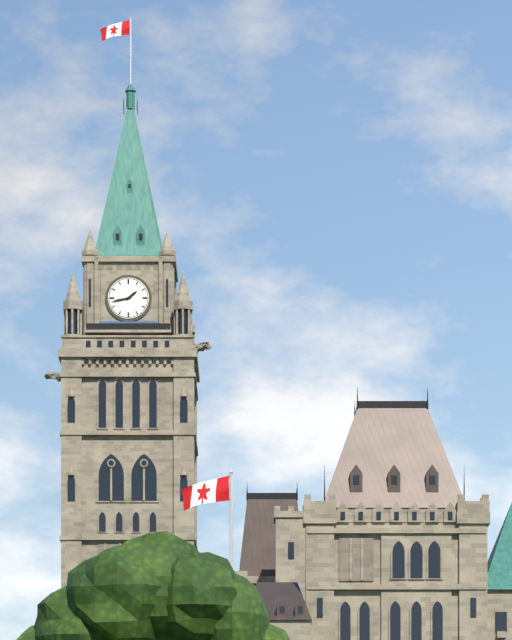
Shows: h=1 m=43
